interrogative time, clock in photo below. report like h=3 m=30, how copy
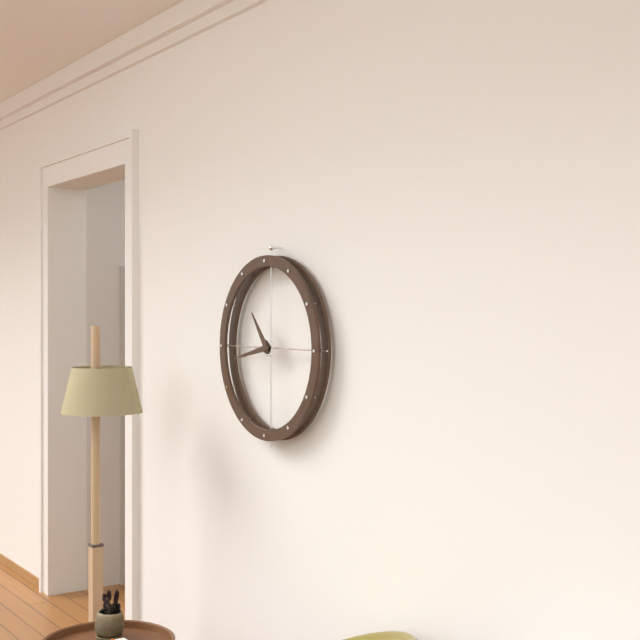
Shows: h=10 m=43
